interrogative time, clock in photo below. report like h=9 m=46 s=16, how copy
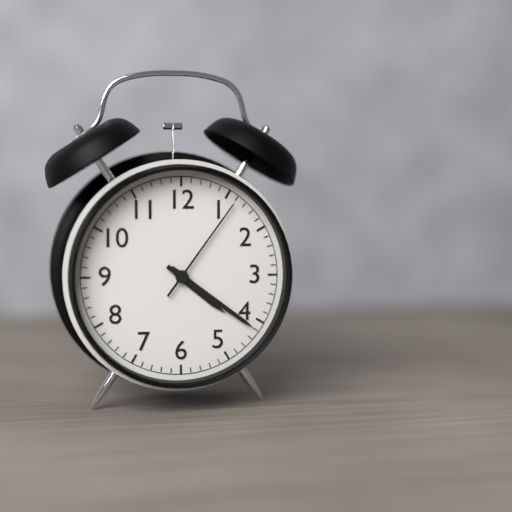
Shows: h=4 m=21 s=6
